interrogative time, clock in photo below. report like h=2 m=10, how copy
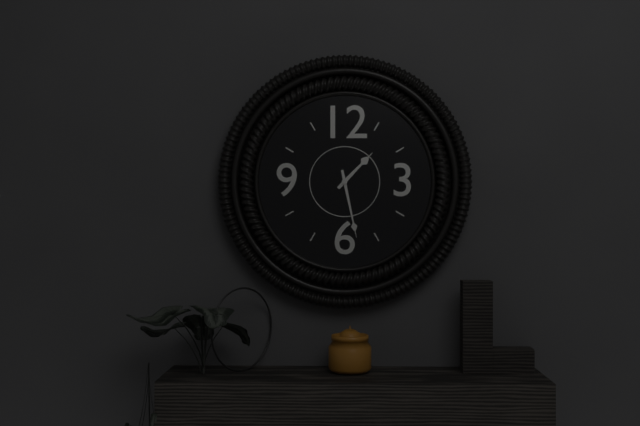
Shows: h=1 m=28
